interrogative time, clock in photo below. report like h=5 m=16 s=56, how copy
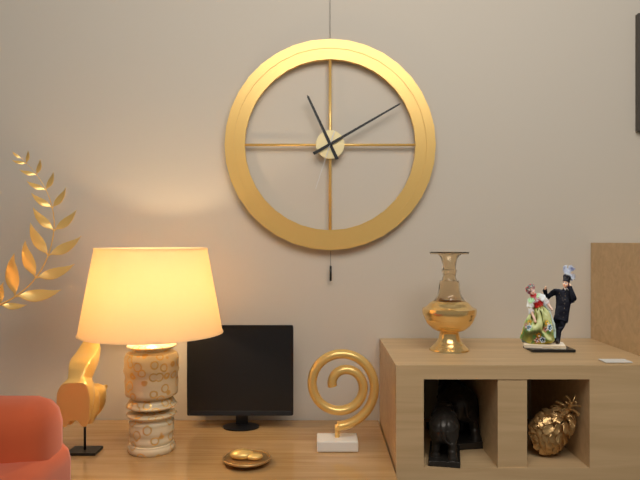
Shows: h=11 m=10 s=33
